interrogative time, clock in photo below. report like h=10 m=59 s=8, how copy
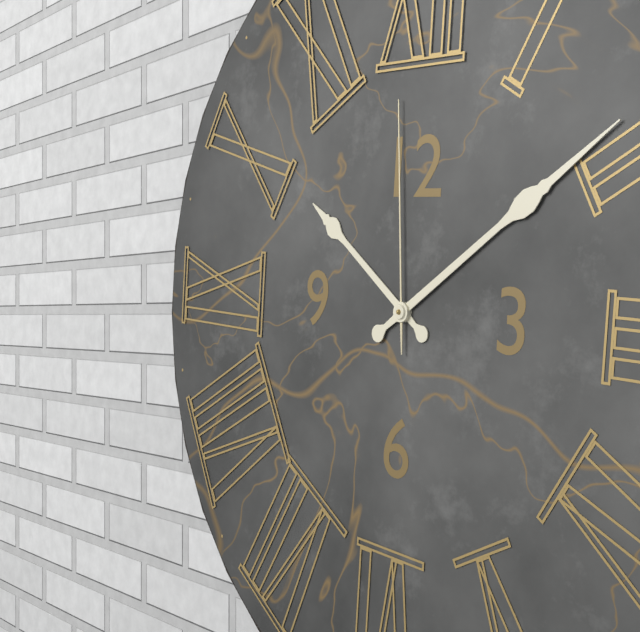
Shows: h=10 m=9 s=59
